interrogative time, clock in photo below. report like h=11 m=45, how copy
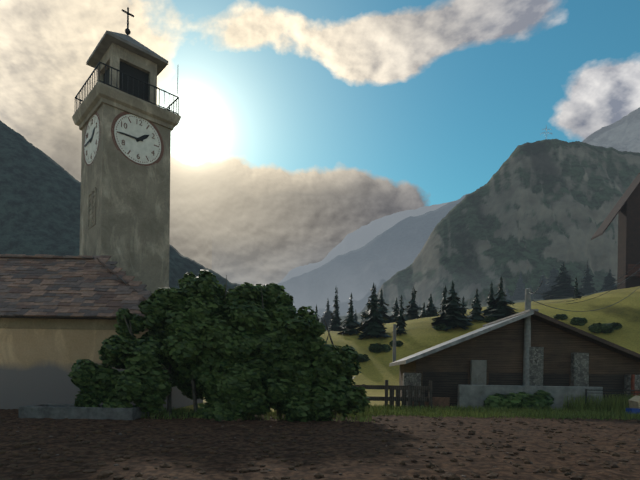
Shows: h=1 m=45
